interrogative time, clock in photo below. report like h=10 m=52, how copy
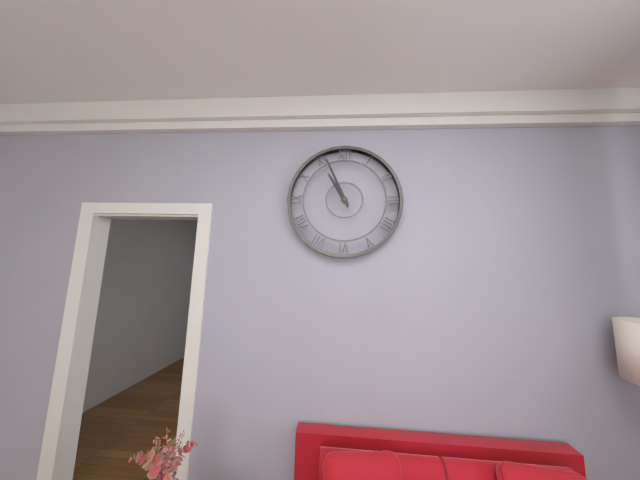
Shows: h=10 m=56
